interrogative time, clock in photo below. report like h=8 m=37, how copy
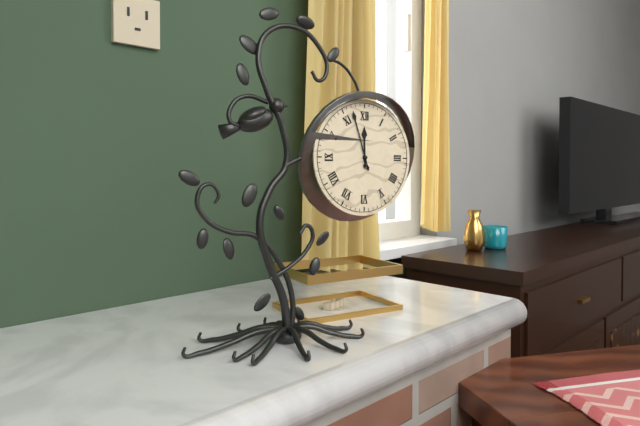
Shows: h=11 m=57
